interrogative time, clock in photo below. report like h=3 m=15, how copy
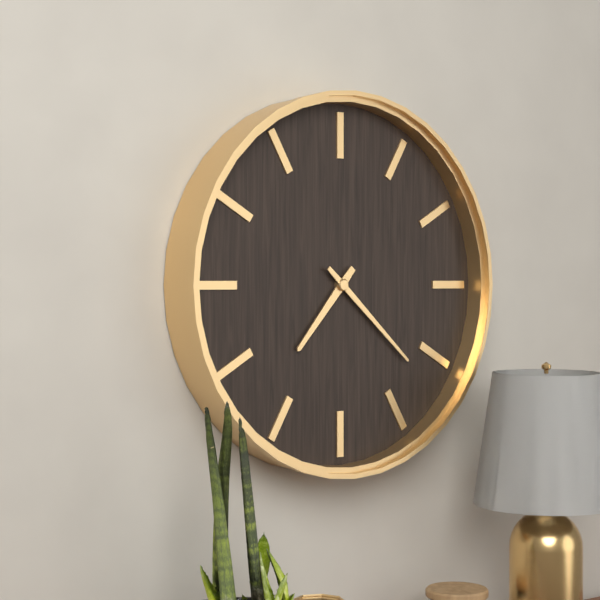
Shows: h=7 m=22
